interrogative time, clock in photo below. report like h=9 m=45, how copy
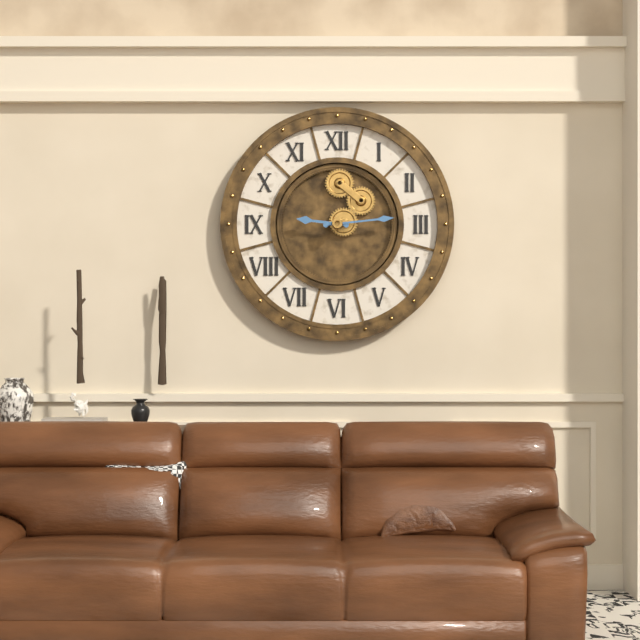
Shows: h=9 m=14
